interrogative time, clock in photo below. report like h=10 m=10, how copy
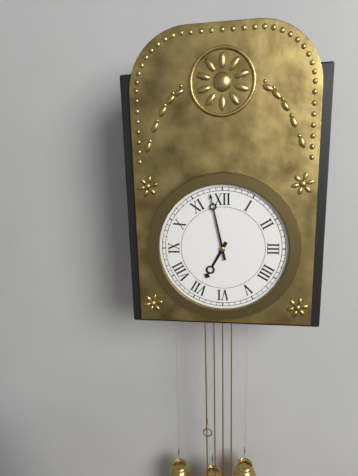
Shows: h=6 m=58
